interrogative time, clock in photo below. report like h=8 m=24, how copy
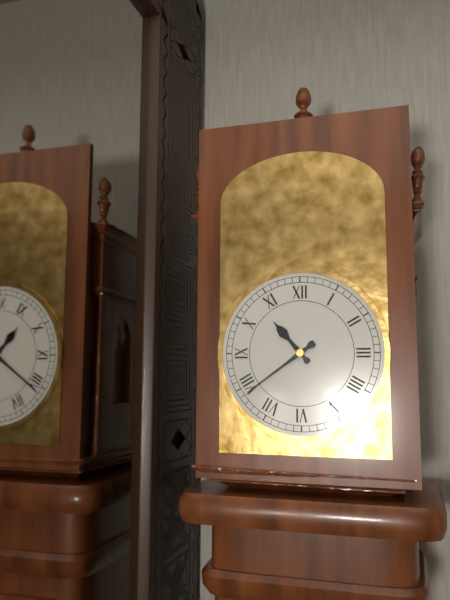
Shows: h=10 m=39
